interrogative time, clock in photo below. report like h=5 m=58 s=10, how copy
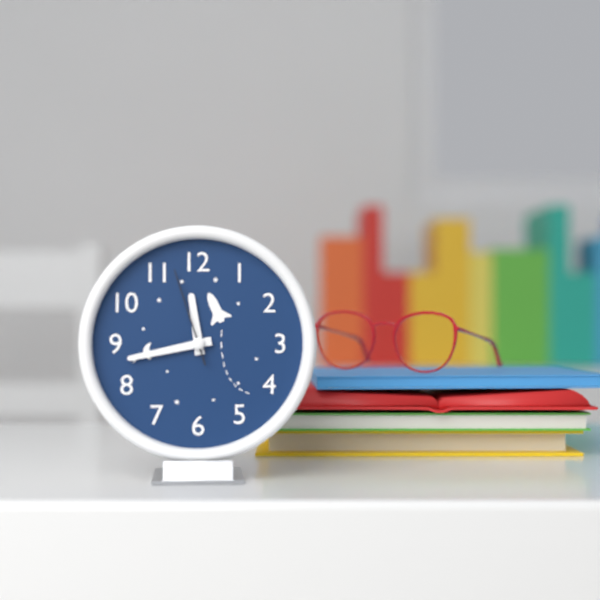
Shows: h=11 m=43 s=57
